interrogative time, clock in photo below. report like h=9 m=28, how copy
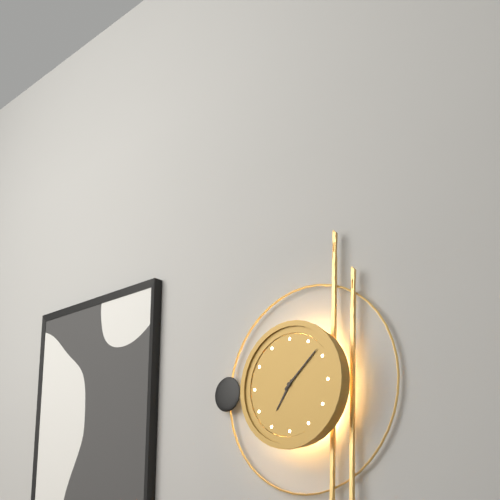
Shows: h=7 m=8
